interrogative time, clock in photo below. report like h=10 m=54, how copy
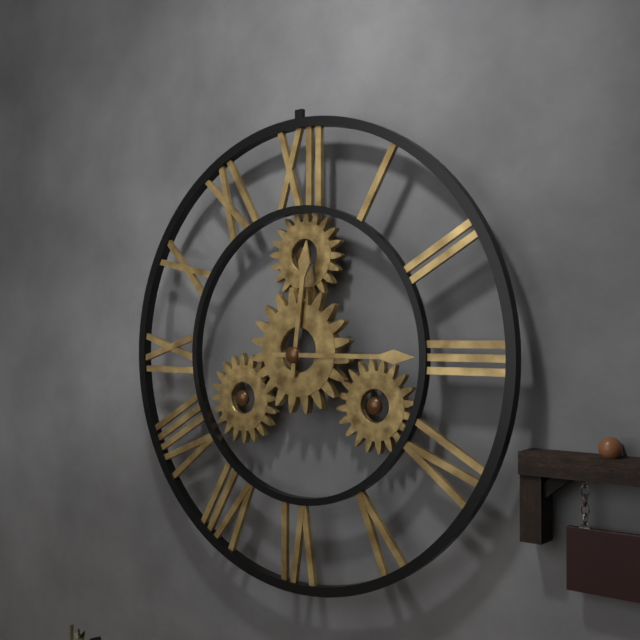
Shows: h=12 m=15
